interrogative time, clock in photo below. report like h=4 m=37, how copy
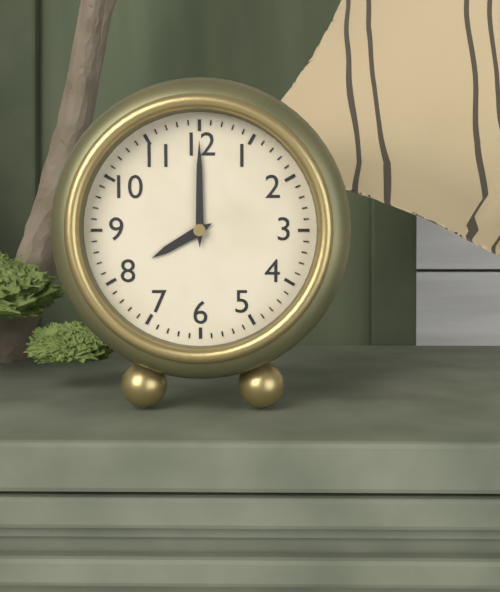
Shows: h=8 m=0
